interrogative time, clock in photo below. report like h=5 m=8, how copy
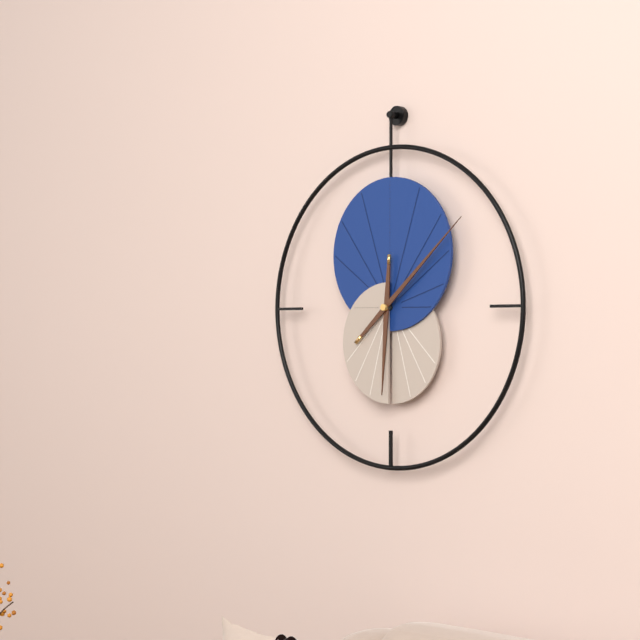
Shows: h=6 m=8
